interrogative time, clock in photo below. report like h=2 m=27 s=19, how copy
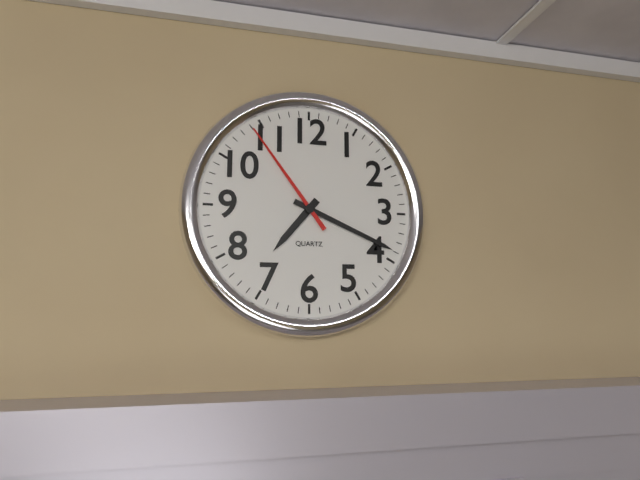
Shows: h=7 m=19 s=54
